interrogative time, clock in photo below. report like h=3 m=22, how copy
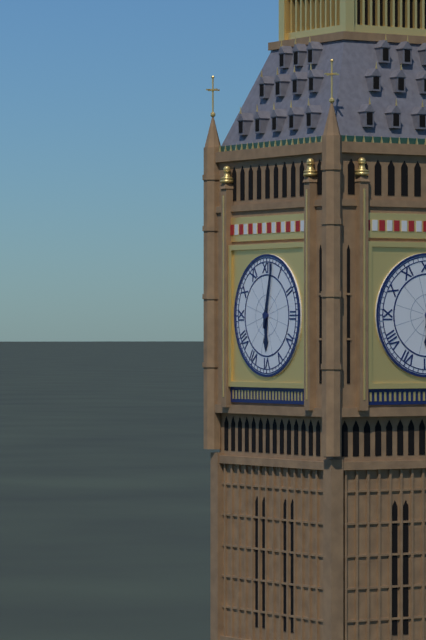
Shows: h=6 m=2
